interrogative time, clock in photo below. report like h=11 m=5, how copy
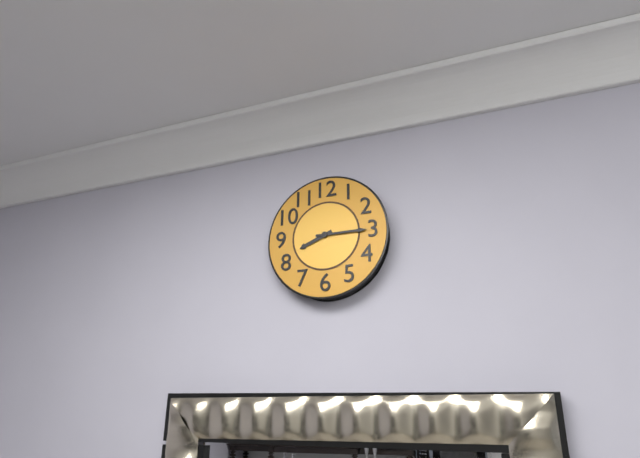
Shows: h=8 m=15
